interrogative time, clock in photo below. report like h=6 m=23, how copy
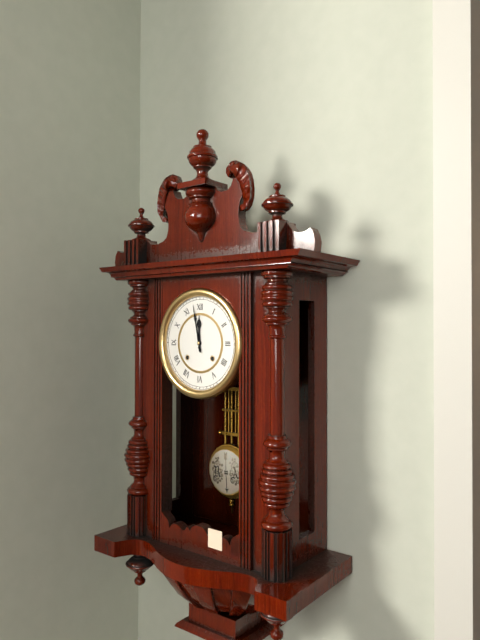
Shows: h=11 m=58
